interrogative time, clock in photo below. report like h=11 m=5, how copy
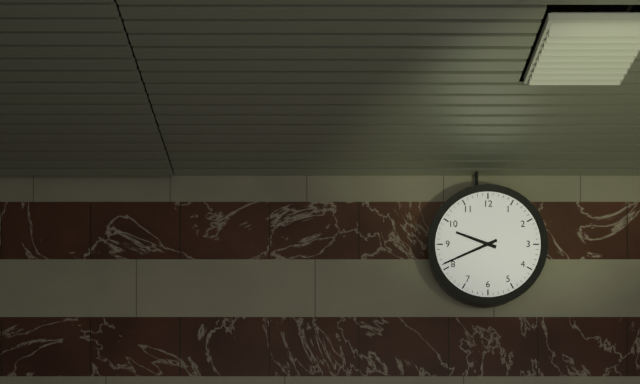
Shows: h=9 m=41
